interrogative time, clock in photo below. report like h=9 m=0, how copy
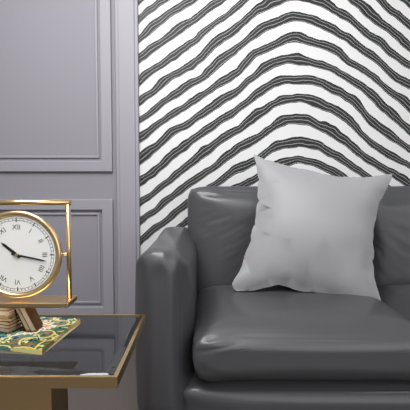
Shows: h=10 m=17
